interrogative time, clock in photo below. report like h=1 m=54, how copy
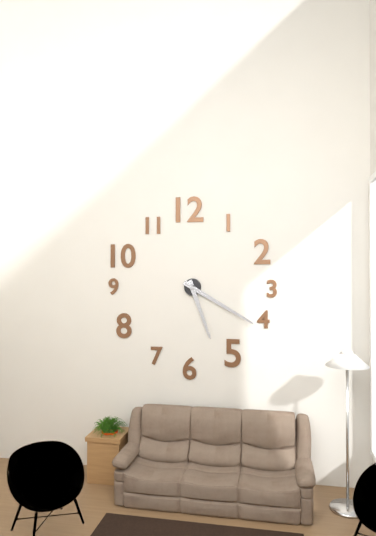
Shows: h=5 m=20
